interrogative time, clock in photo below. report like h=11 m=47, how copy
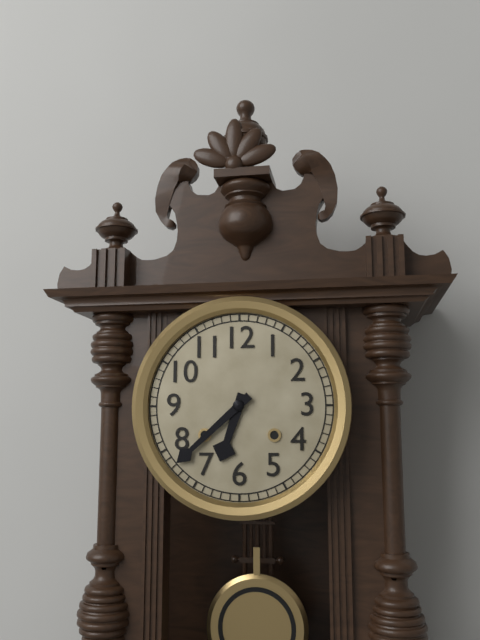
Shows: h=6 m=38
